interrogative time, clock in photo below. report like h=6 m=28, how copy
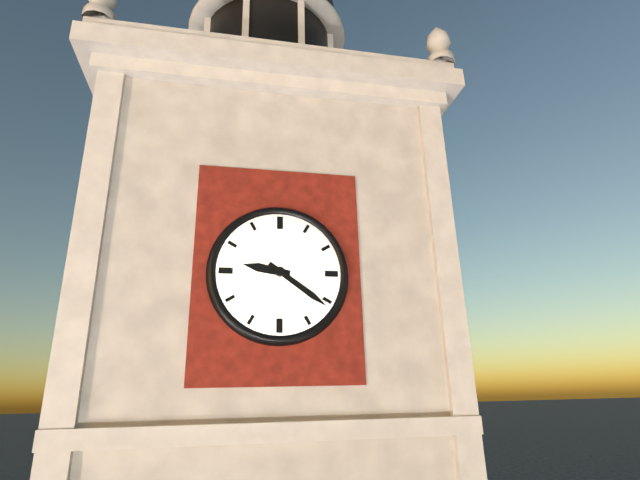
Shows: h=9 m=21
